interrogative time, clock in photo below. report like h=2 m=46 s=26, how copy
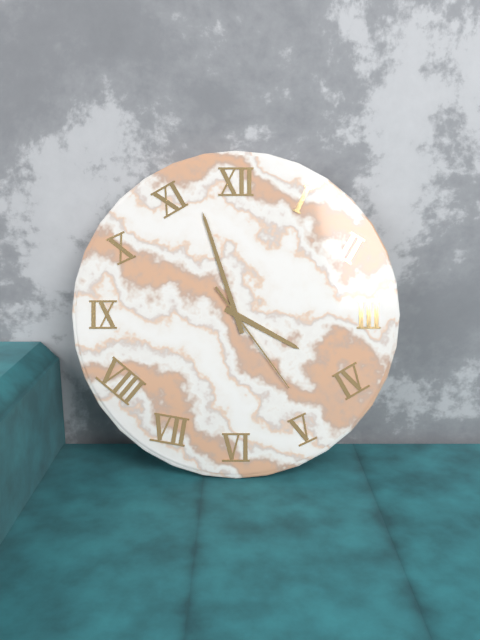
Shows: h=3 m=57 s=24
